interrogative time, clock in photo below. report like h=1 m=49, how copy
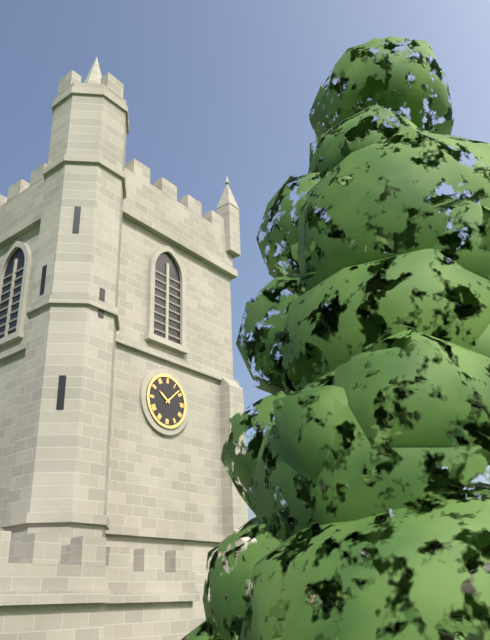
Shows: h=10 m=8
